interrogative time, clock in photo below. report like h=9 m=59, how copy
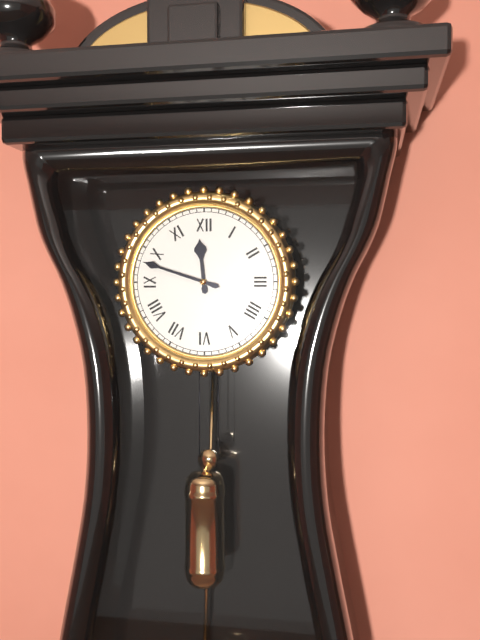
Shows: h=11 m=48
